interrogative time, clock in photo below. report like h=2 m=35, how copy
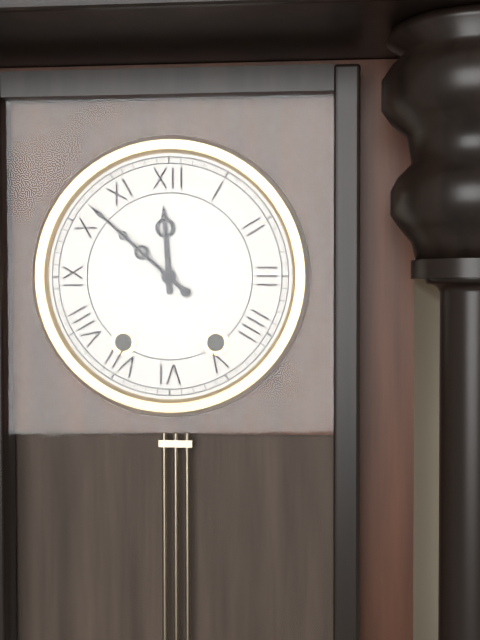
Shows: h=11 m=52
